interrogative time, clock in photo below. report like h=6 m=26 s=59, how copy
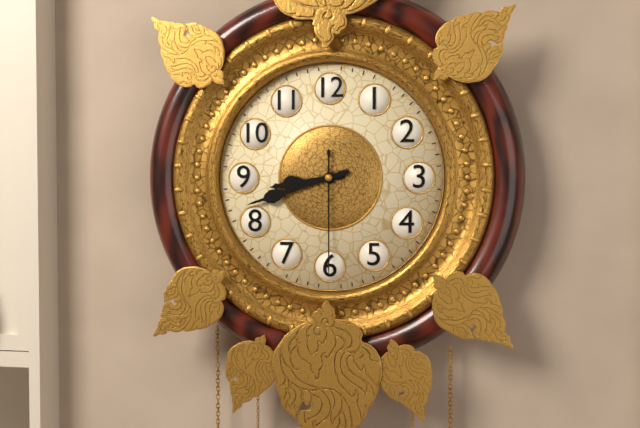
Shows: h=8 m=42 s=30
